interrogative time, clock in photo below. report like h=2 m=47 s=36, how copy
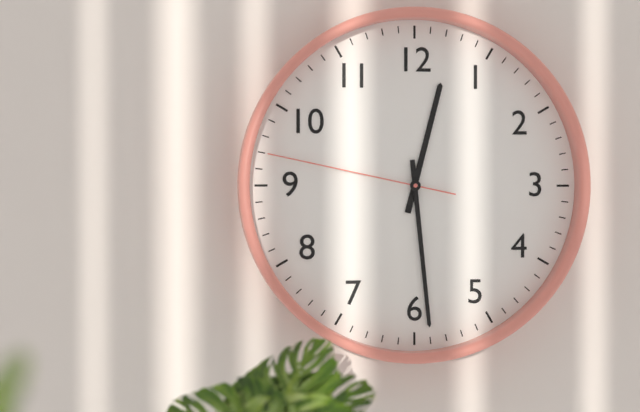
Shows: h=12 m=29 s=47
